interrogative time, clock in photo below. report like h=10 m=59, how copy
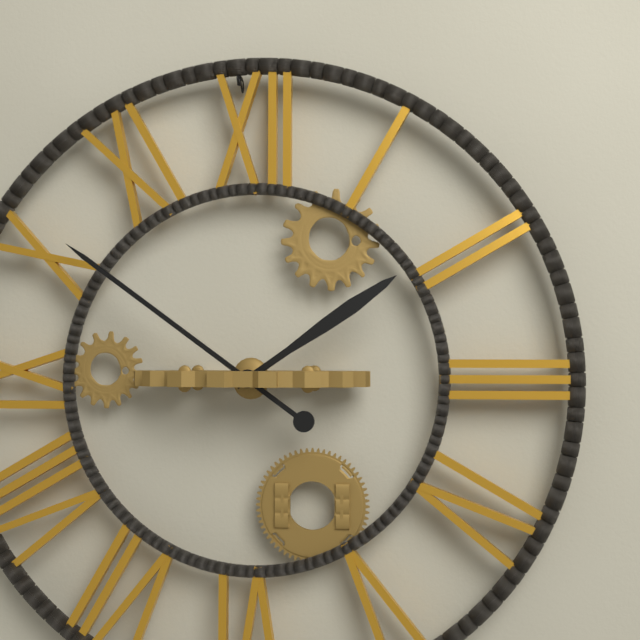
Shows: h=1 m=51
